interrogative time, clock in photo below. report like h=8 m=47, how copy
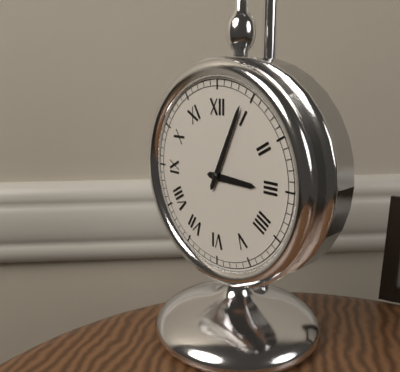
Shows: h=3 m=4
